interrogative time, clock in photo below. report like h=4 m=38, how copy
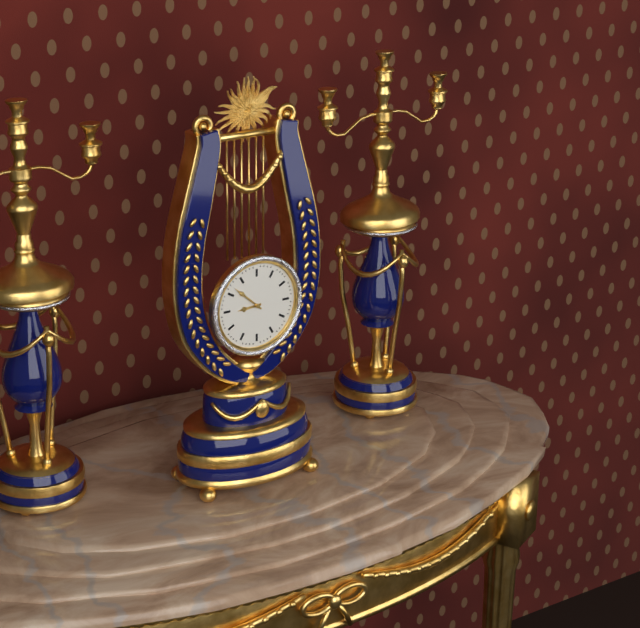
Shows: h=8 m=52
